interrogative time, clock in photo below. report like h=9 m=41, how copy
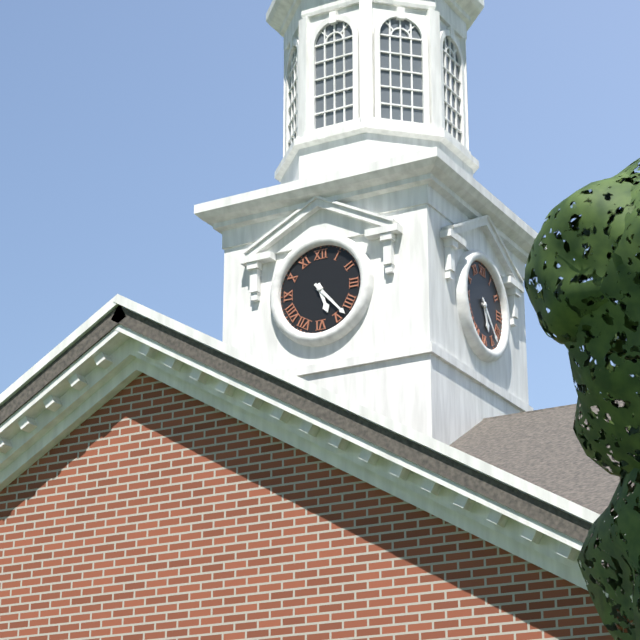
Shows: h=5 m=23
